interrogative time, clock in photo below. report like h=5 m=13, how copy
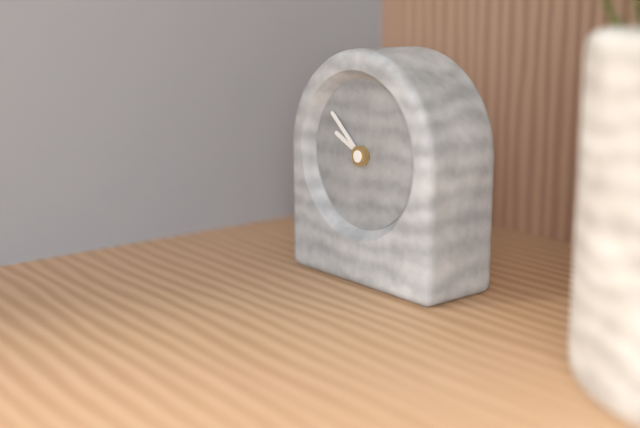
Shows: h=9 m=52
